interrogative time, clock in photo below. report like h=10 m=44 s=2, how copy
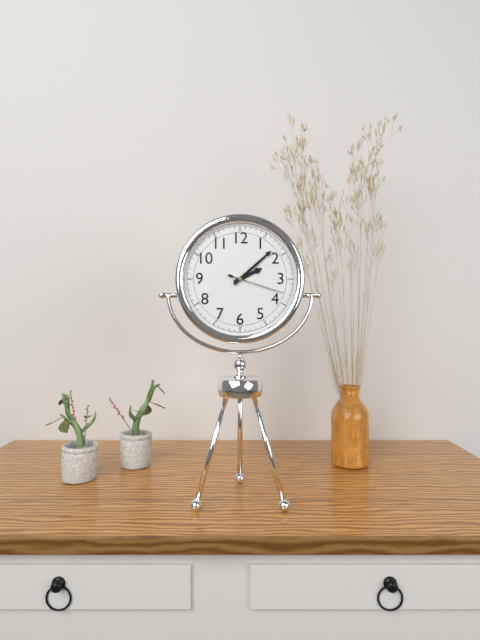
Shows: h=2 m=8 s=18
